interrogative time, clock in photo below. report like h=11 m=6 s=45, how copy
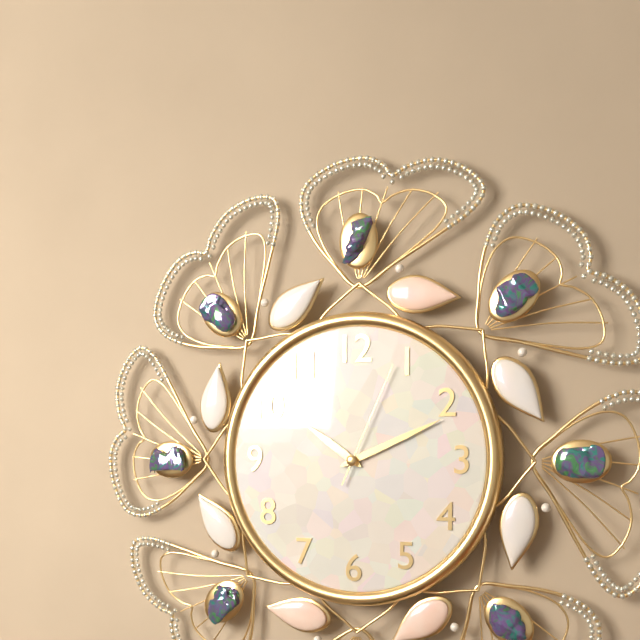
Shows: h=10 m=11 s=4
